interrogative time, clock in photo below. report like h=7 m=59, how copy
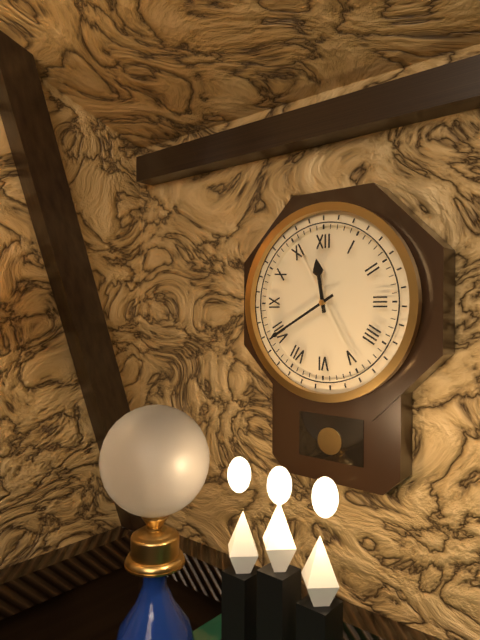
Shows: h=11 m=40
